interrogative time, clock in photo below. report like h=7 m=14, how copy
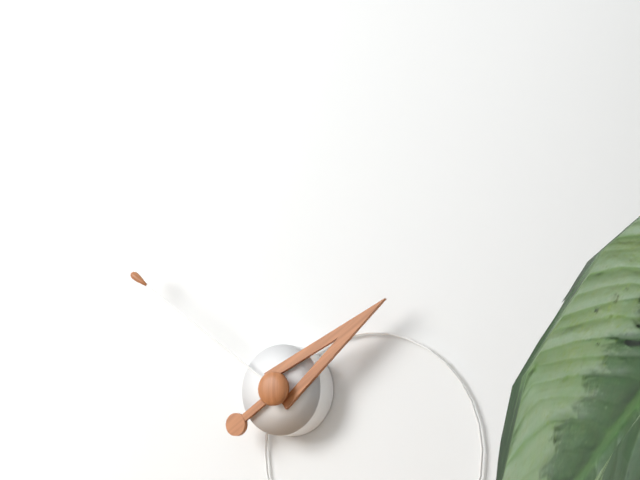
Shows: h=1 m=51
